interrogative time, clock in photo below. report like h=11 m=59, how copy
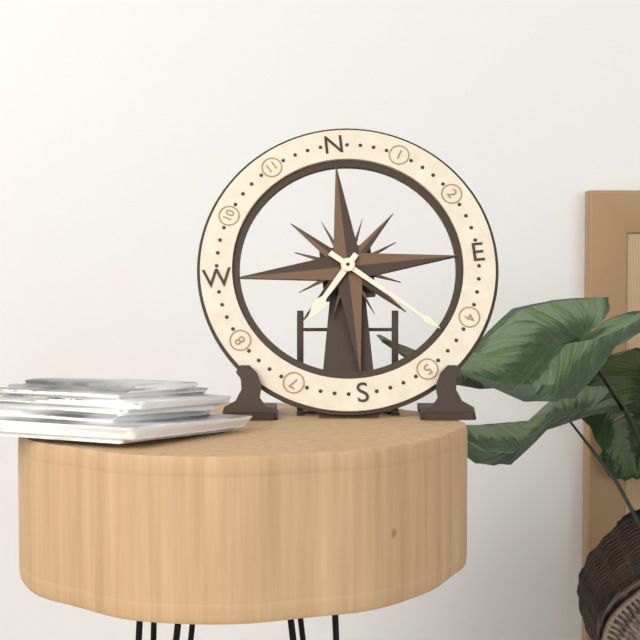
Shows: h=7 m=22
